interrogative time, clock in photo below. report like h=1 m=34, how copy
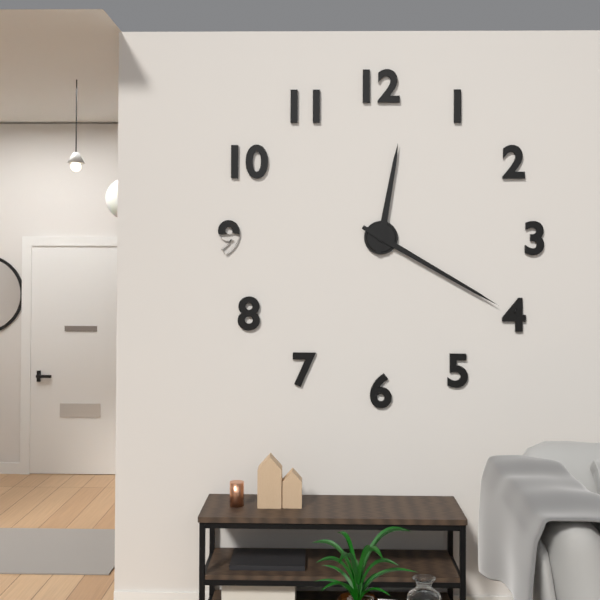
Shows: h=12 m=20
